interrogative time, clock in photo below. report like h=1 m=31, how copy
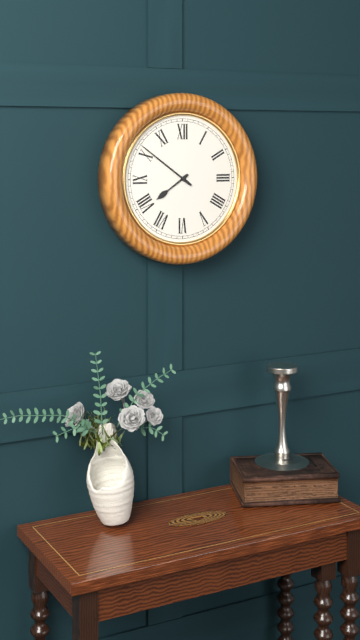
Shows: h=7 m=51
